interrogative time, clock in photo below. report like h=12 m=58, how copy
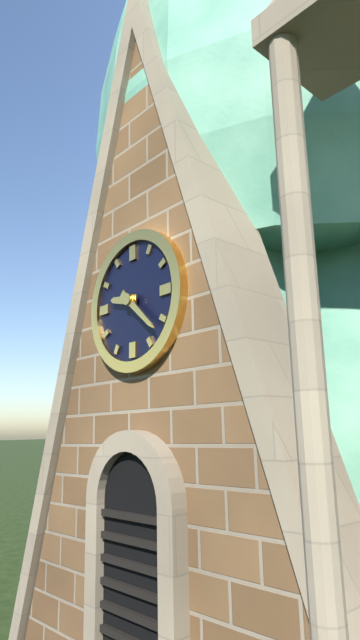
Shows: h=9 m=22
